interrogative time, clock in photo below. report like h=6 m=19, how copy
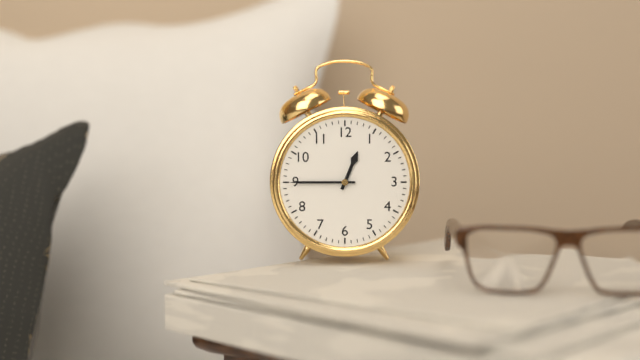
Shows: h=12 m=45
